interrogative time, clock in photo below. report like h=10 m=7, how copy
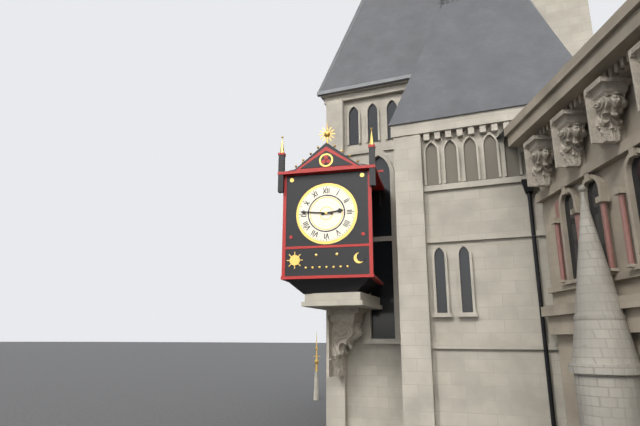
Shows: h=2 m=46
